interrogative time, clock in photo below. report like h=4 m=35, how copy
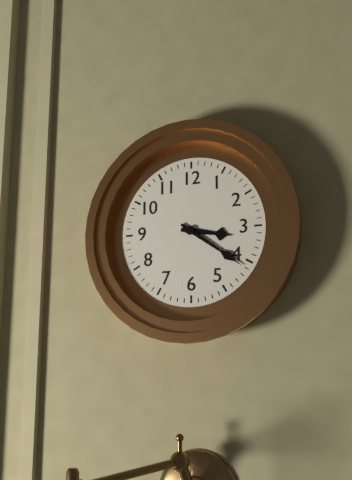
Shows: h=3 m=21
